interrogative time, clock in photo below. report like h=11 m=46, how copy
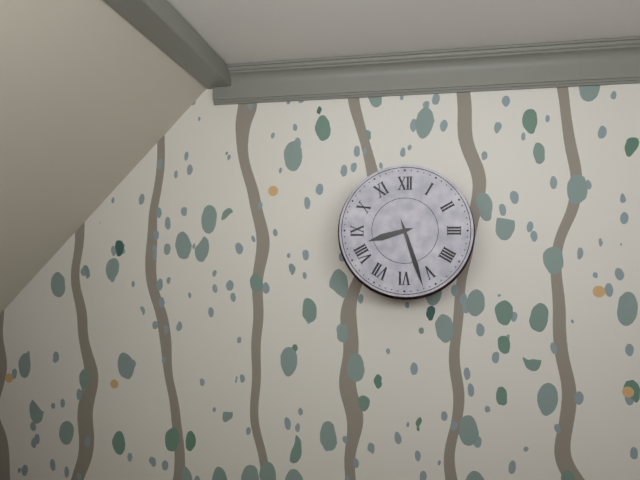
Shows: h=8 m=27
